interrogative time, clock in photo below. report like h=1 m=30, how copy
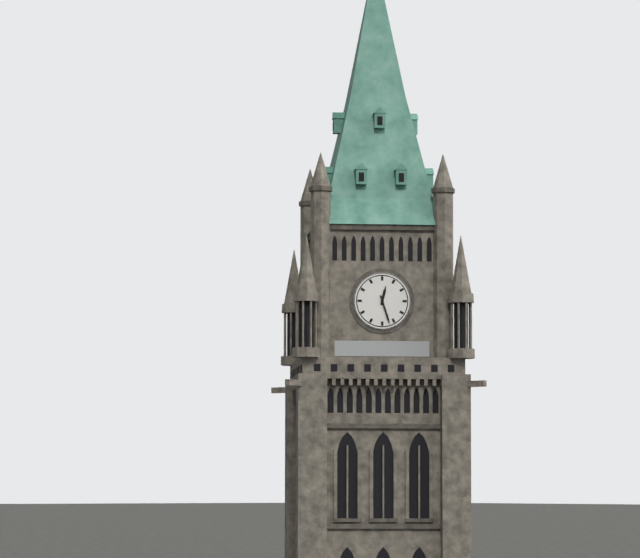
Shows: h=12 m=27
